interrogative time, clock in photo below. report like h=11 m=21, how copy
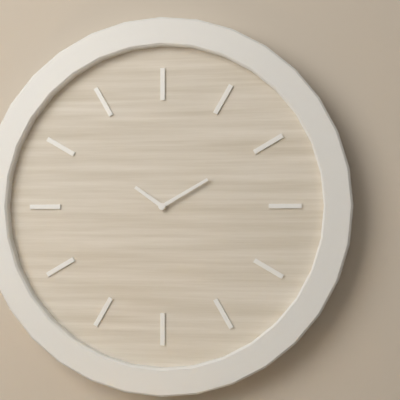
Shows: h=10 m=10
